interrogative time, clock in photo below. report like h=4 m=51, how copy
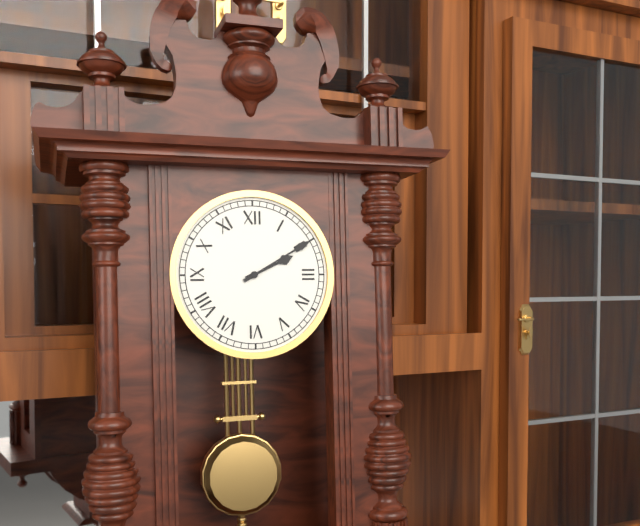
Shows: h=2 m=10
